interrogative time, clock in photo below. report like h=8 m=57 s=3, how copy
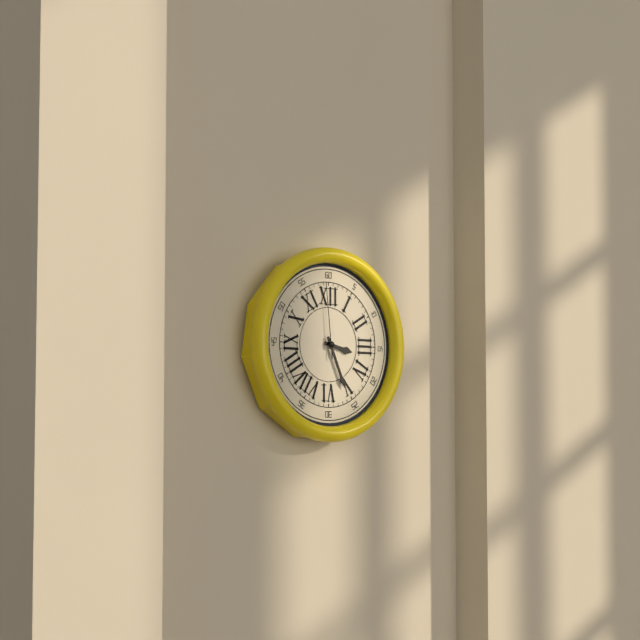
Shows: h=3 m=26 s=59
